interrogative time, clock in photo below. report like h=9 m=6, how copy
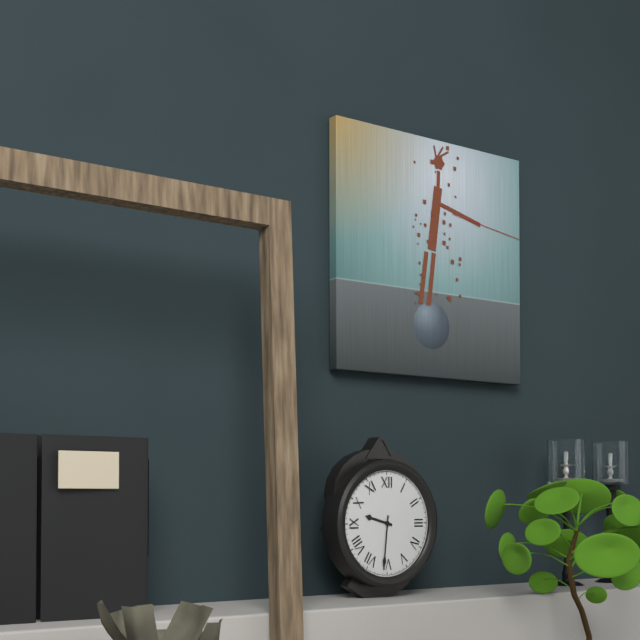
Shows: h=9 m=31
